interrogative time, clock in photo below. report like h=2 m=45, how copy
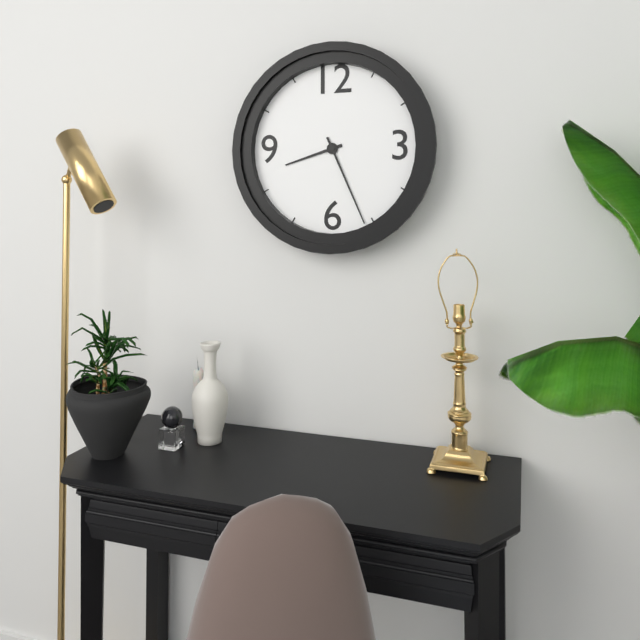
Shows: h=8 m=26
